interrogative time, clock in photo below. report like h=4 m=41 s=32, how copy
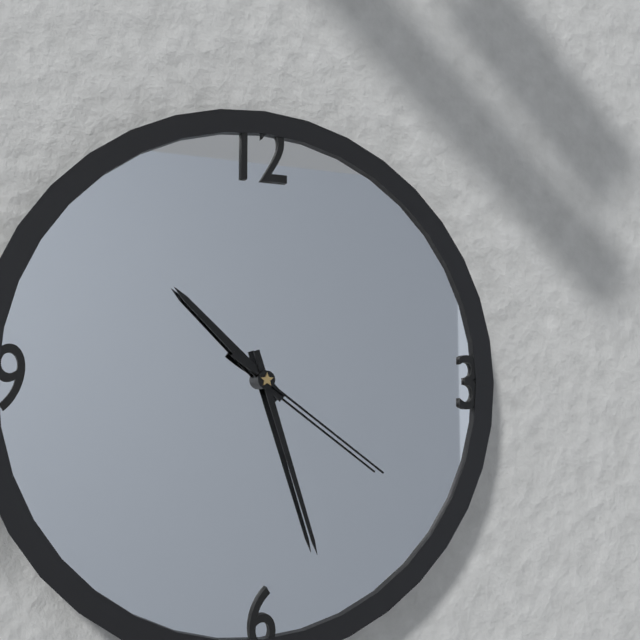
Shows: h=10 m=27 s=21
